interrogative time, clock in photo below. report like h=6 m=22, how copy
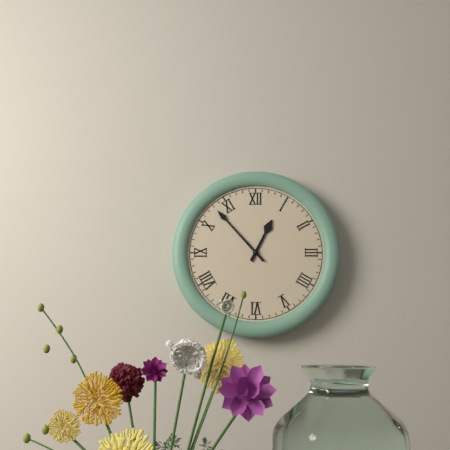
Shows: h=12 m=53
